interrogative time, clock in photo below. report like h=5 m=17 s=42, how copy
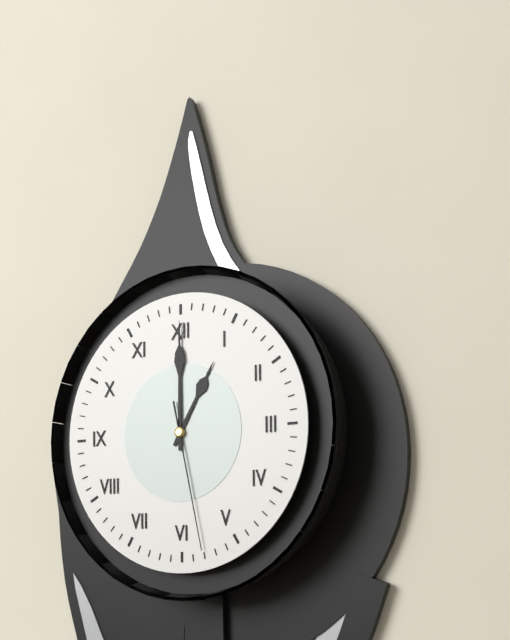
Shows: h=1 m=0 s=28
